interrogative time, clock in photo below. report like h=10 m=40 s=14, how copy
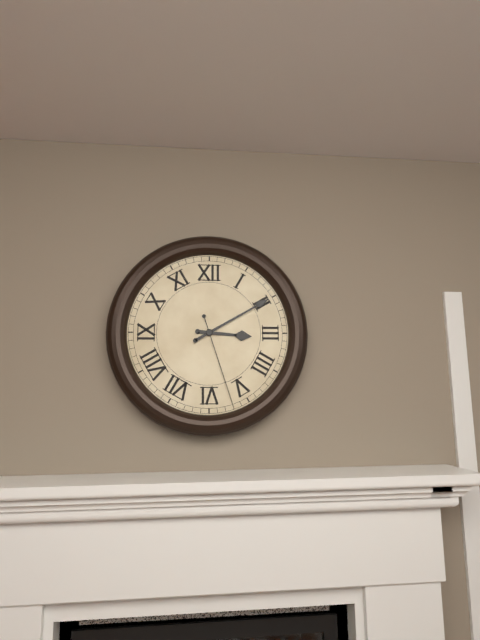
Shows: h=3 m=10 s=27
